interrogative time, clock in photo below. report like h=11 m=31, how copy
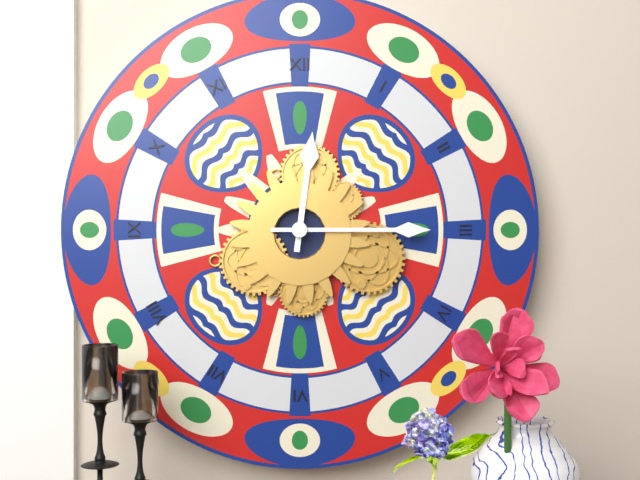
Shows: h=12 m=15
